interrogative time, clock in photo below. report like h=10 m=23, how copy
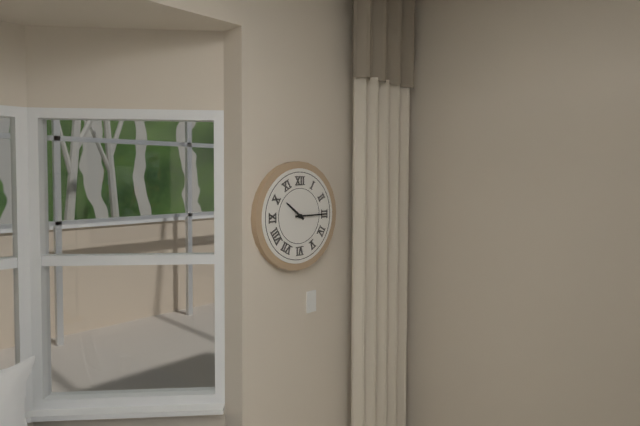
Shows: h=10 m=15
